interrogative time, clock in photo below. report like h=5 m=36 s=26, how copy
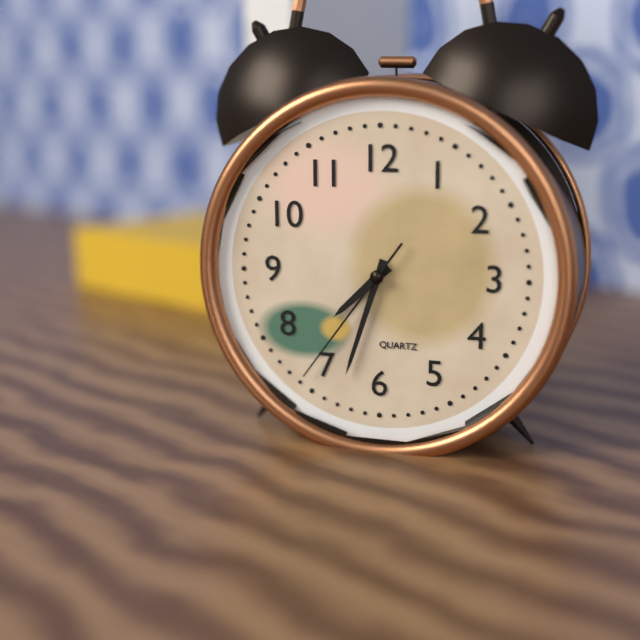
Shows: h=7 m=33 s=36
